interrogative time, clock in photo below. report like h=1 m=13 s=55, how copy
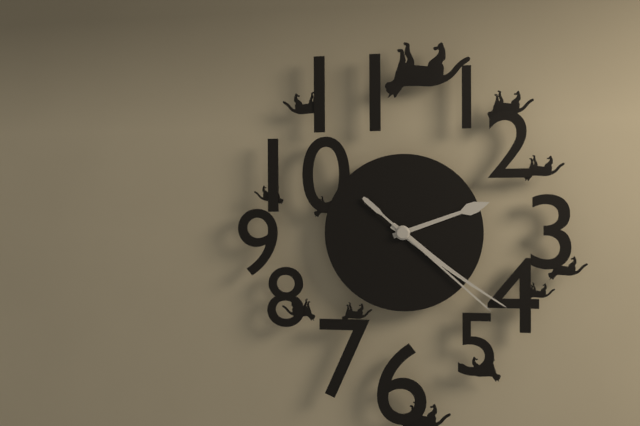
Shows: h=2 m=21 s=22
